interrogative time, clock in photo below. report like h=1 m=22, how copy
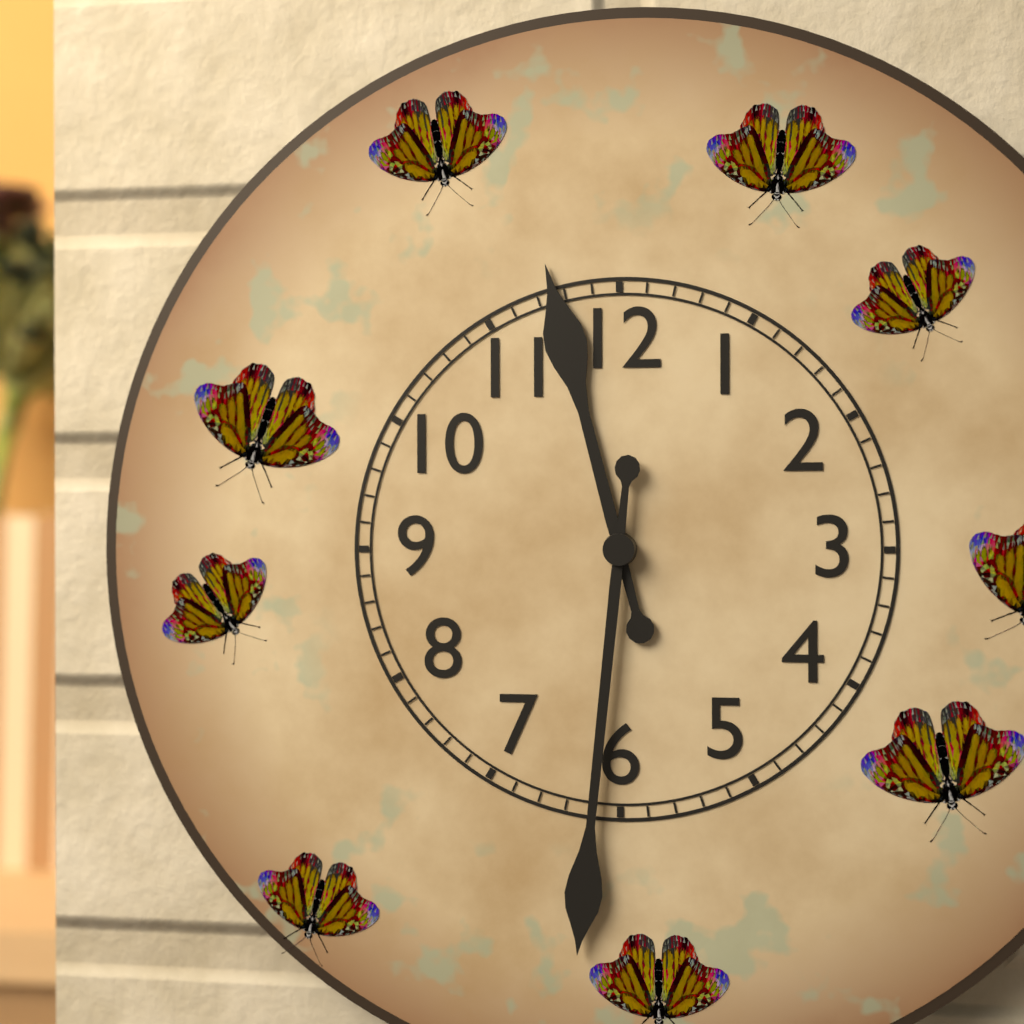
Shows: h=11 m=31
